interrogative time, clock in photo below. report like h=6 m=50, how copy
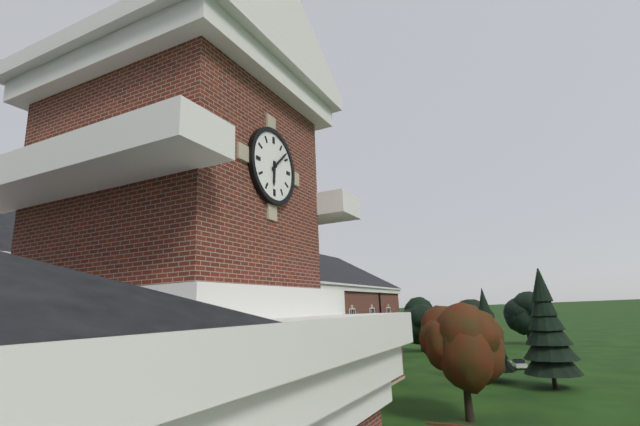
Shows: h=6 m=8
